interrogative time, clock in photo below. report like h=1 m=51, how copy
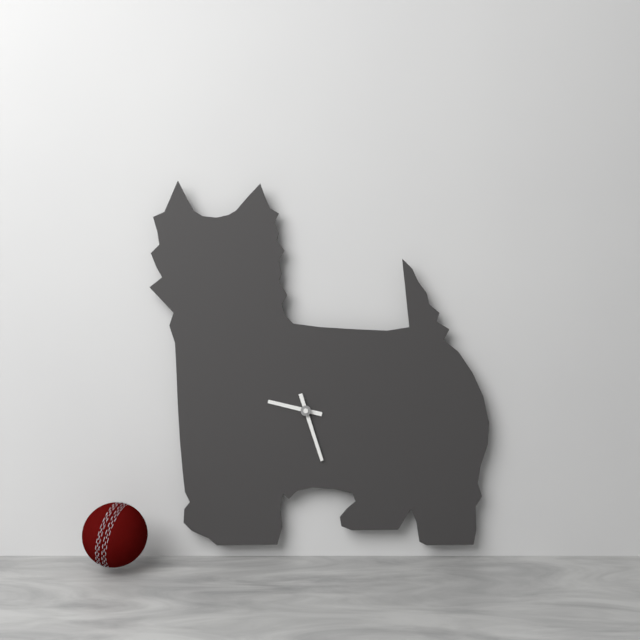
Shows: h=9 m=27
